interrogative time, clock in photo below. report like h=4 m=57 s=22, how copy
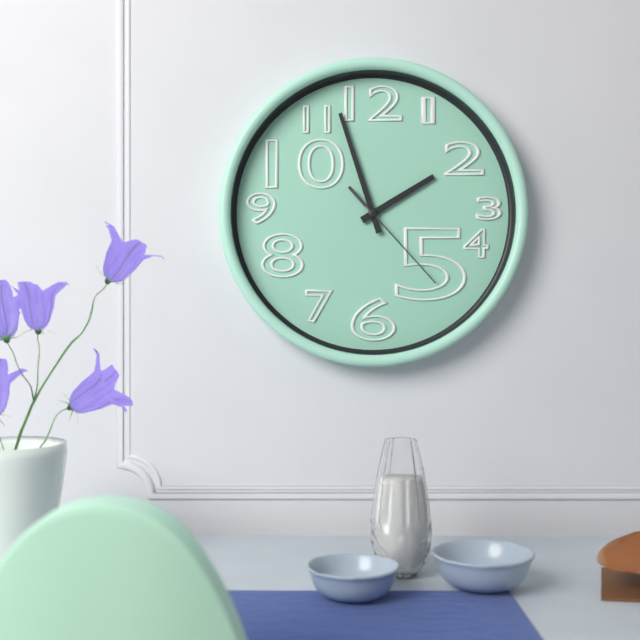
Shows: h=1 m=57 s=23
